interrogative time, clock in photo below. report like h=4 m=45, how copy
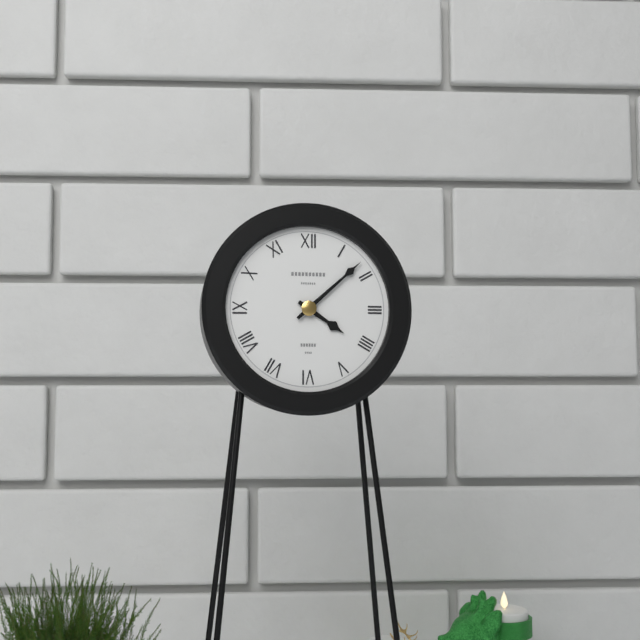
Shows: h=4 m=8
